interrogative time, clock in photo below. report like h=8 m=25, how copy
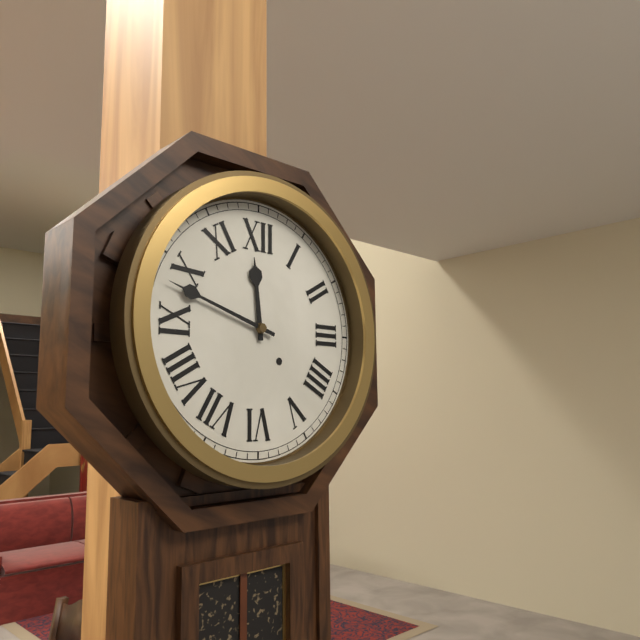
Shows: h=11 m=48
